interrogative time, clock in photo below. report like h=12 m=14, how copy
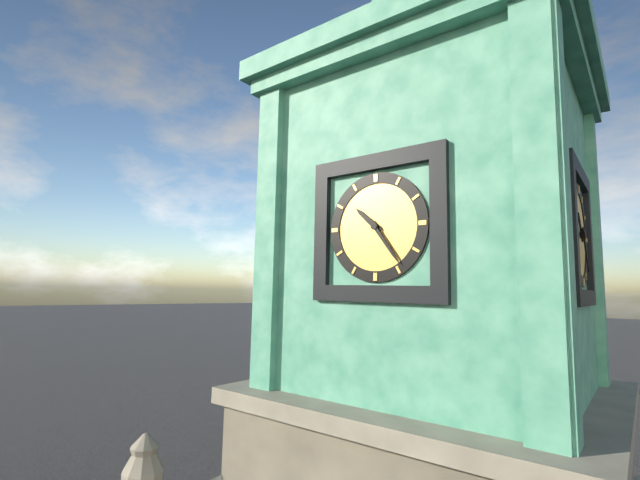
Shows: h=10 m=24
